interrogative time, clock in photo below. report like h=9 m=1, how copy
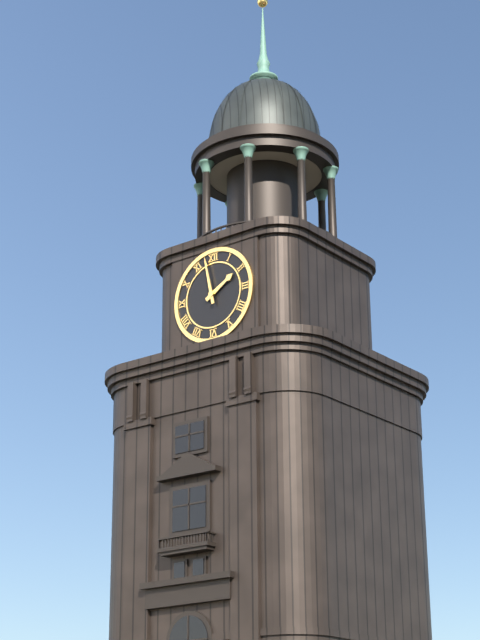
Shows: h=1 m=58
